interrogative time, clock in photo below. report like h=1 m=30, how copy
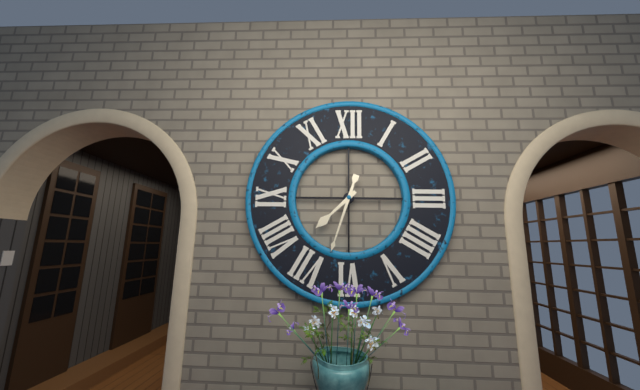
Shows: h=7 m=33
